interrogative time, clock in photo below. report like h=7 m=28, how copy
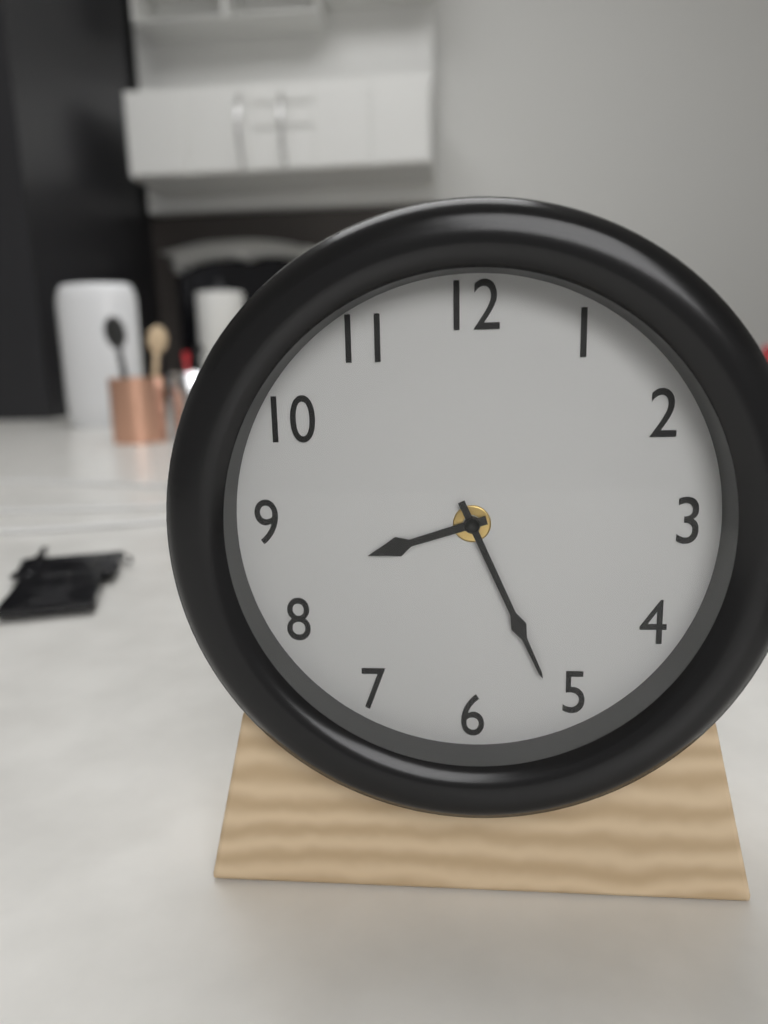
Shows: h=8 m=26
